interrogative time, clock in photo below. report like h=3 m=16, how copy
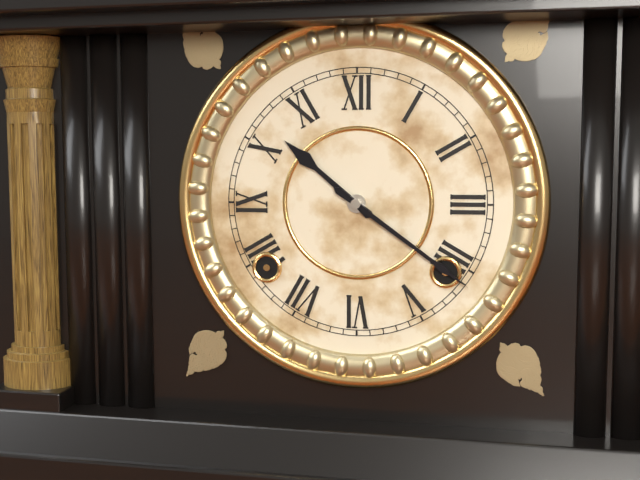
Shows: h=10 m=21
